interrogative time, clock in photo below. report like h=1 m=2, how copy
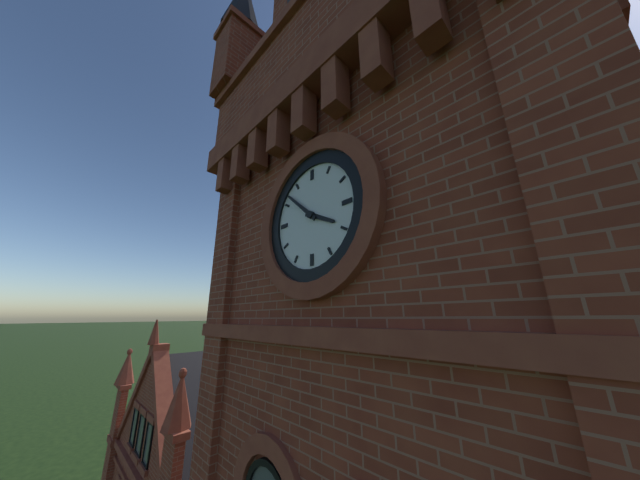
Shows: h=3 m=52
